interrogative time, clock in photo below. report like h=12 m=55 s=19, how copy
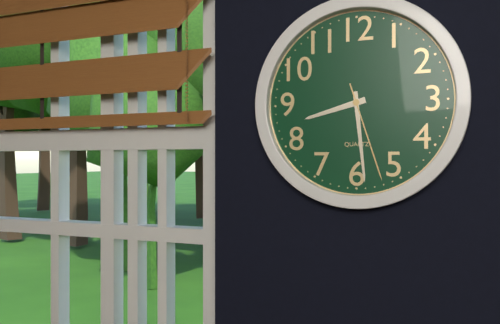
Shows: h=8 m=29 s=27
